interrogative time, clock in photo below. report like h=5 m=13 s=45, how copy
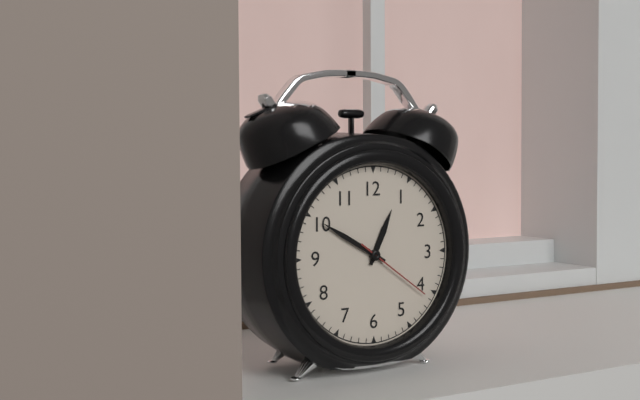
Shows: h=12 m=50 s=21
